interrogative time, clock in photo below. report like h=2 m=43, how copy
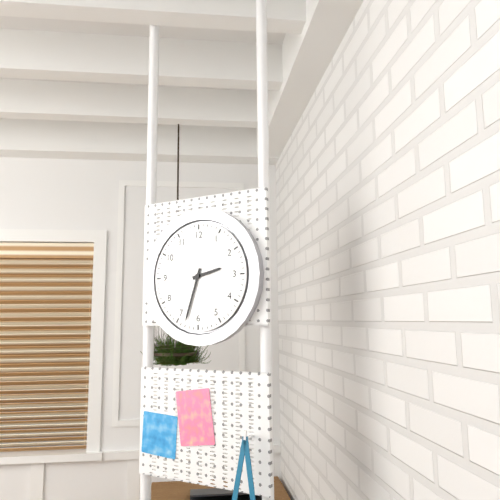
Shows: h=2 m=33
